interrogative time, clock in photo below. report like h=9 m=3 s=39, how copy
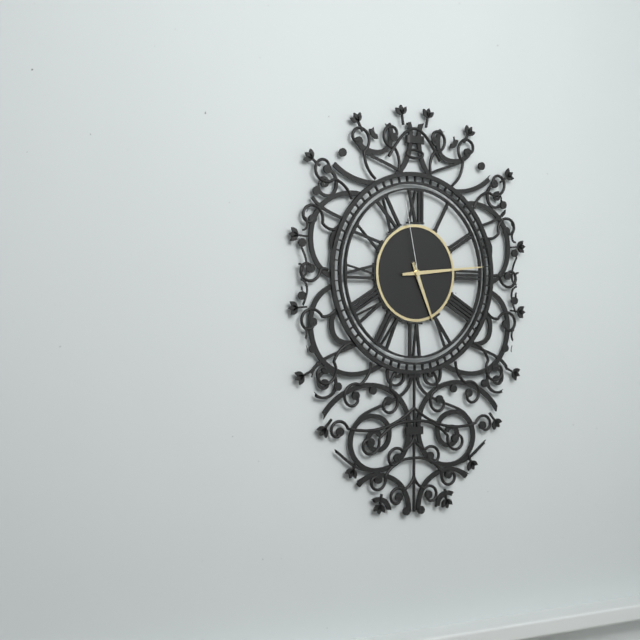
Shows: h=5 m=14 s=58
